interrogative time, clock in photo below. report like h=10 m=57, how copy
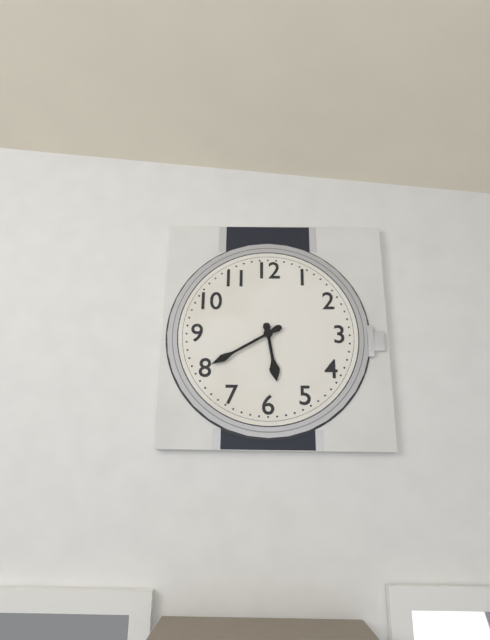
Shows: h=5 m=40
